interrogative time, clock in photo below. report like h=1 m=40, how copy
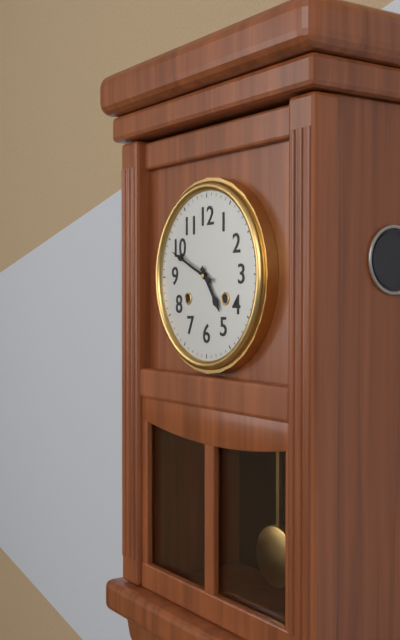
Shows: h=4 m=49
